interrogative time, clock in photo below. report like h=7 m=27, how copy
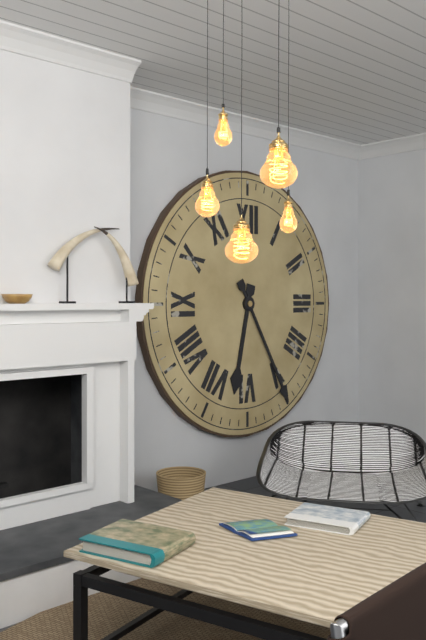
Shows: h=6 m=25
